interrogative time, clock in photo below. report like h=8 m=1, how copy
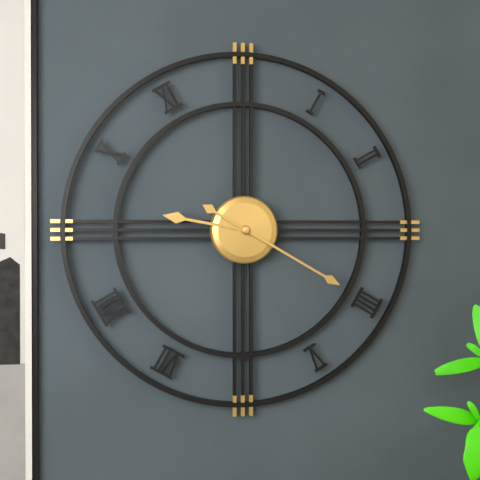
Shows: h=9 m=20
